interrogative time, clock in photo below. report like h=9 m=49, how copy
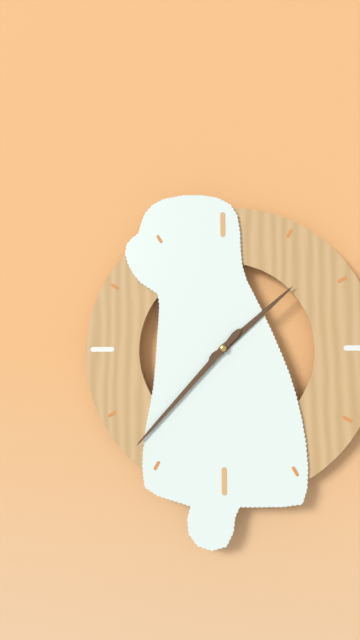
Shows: h=1 m=37
